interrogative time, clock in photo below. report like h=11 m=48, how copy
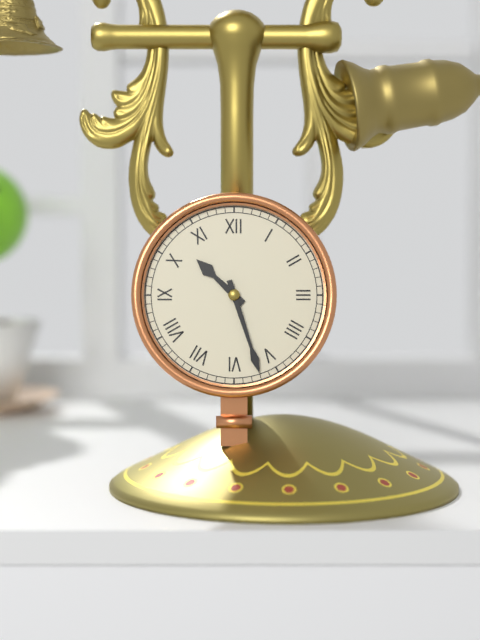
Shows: h=10 m=27
